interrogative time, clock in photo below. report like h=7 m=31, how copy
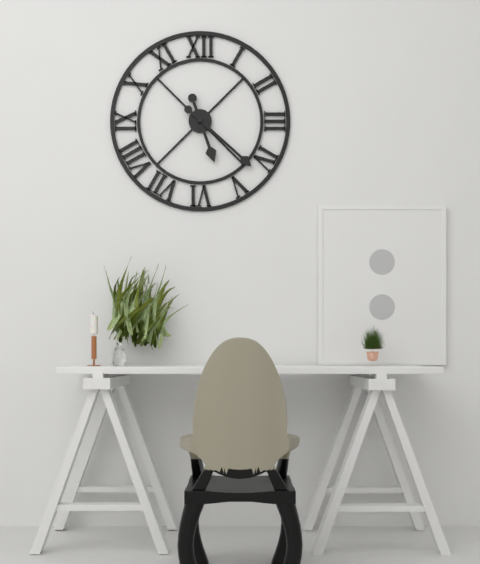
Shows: h=5 m=22
